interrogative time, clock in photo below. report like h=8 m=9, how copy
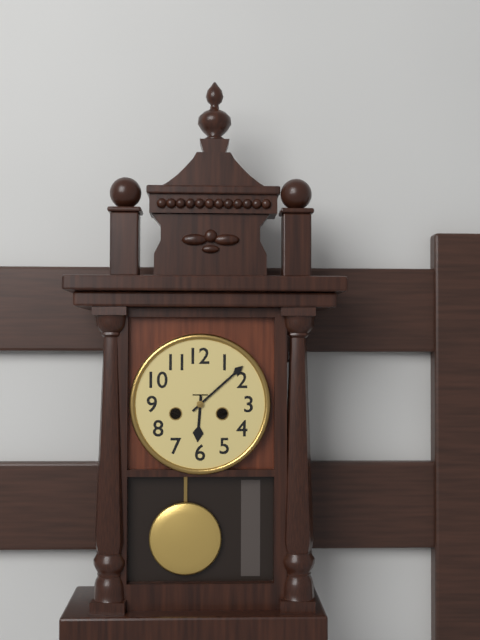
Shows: h=6 m=8
